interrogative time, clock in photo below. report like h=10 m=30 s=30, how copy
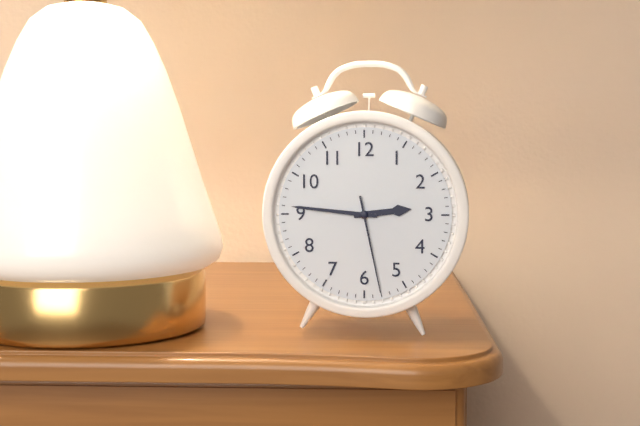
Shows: h=2 m=46 s=28
